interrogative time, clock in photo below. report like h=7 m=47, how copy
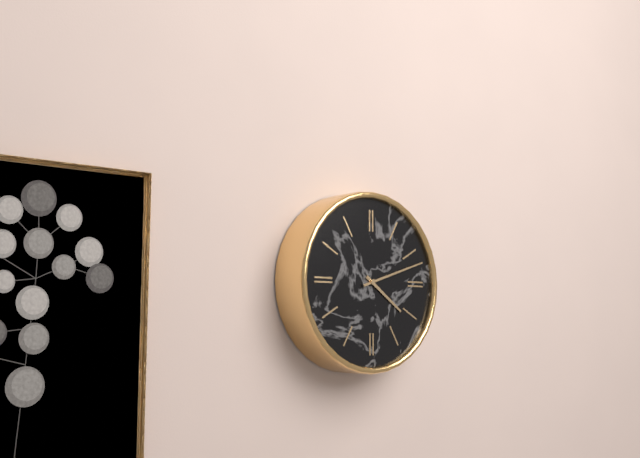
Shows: h=4 m=12
